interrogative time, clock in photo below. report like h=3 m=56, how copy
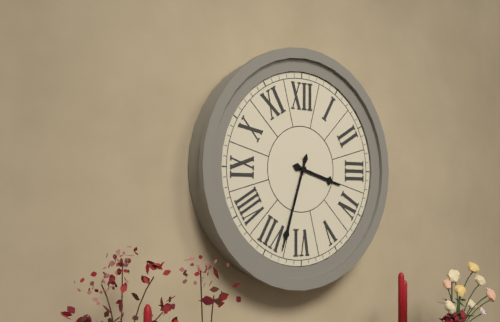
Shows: h=3 m=33
